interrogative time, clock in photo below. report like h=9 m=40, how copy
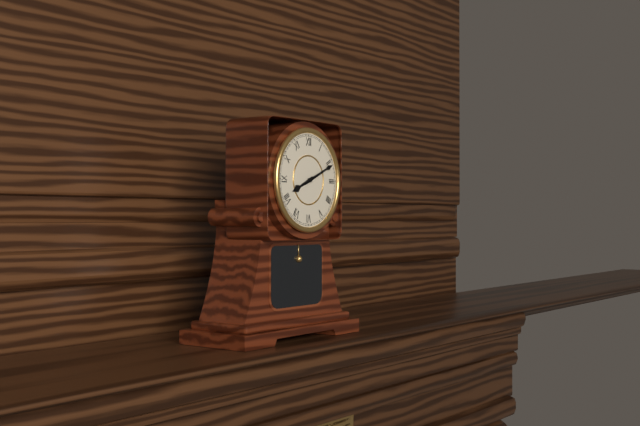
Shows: h=8 m=11
